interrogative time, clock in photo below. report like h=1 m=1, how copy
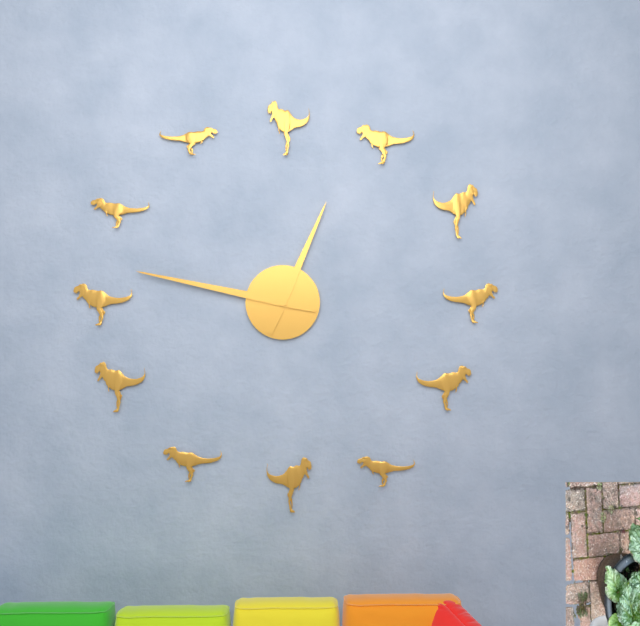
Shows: h=12 m=47
